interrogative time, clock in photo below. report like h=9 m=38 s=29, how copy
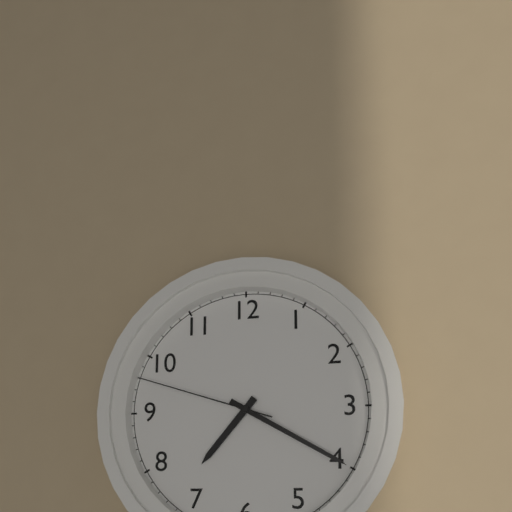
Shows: h=7 m=20 s=48
